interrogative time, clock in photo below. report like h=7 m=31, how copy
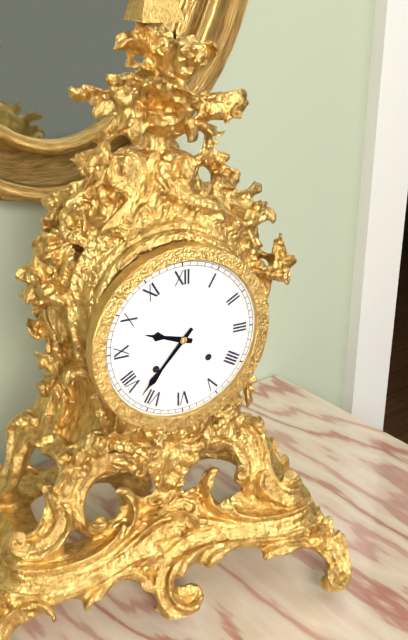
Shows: h=9 m=37
